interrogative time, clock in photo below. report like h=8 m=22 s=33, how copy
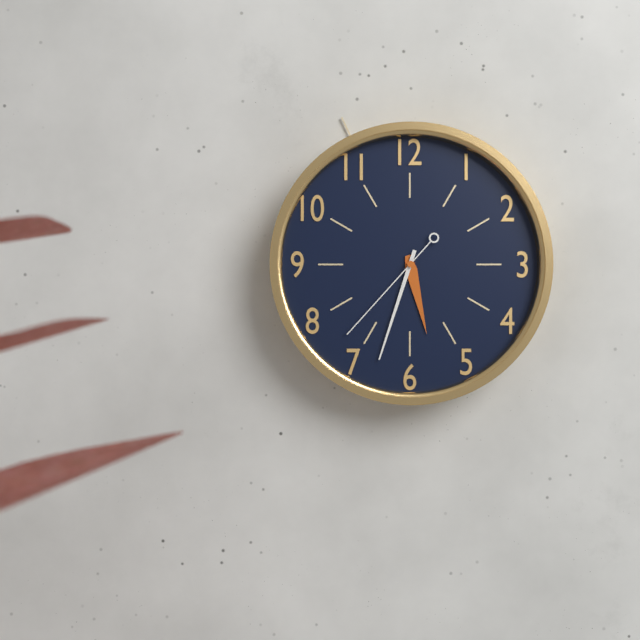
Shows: h=5 m=33 s=37
